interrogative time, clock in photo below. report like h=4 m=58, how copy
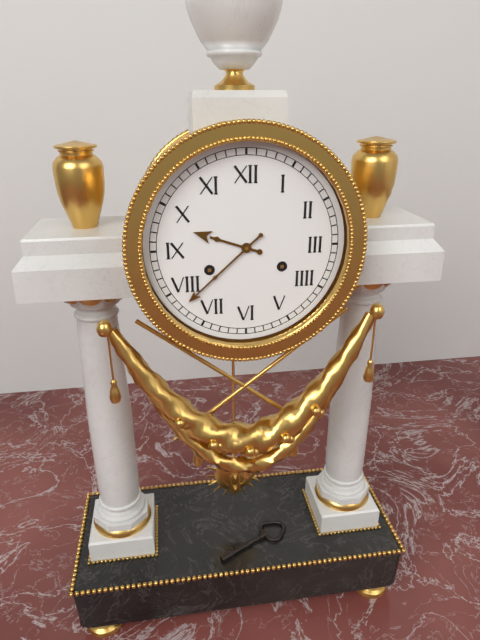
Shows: h=9 m=38
